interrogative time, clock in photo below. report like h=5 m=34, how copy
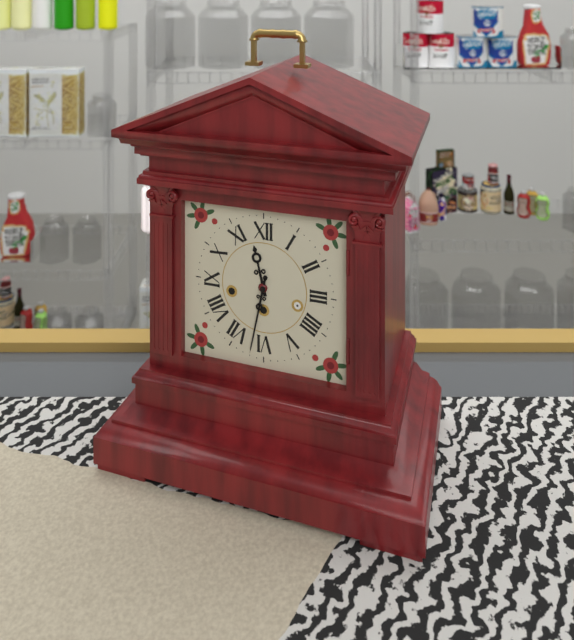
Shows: h=11 m=32
